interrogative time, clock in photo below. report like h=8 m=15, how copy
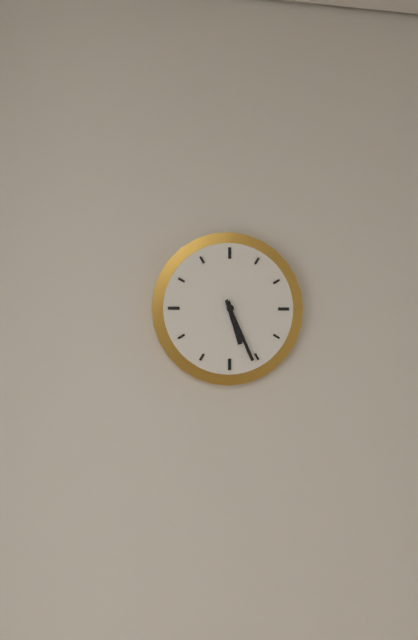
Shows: h=5 m=26
